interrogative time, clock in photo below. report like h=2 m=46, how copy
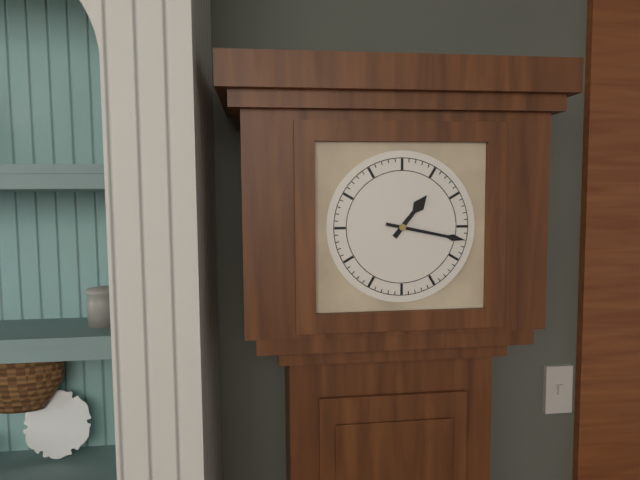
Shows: h=1 m=17
